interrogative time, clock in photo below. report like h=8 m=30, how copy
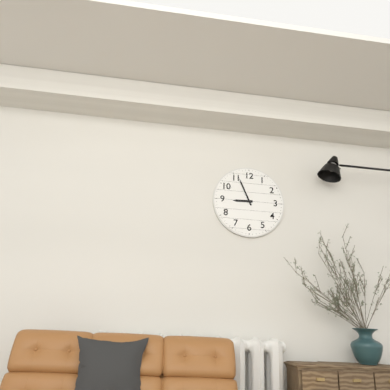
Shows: h=8 m=56
